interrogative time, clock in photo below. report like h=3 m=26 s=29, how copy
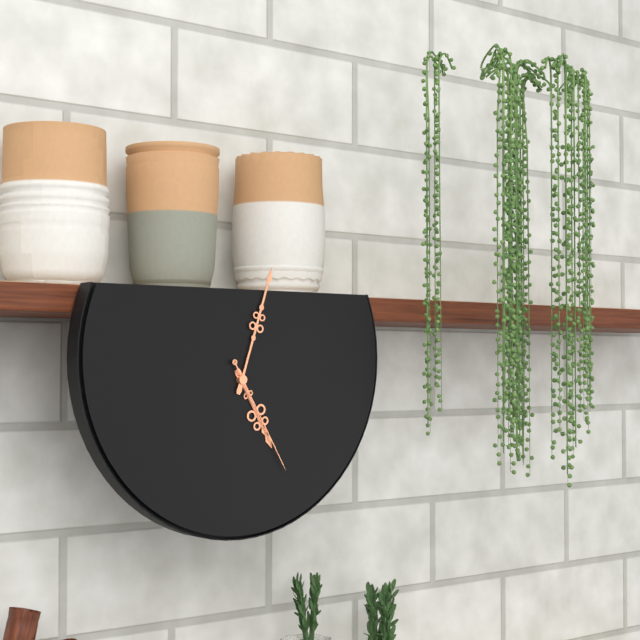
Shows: h=5 m=3 s=25
